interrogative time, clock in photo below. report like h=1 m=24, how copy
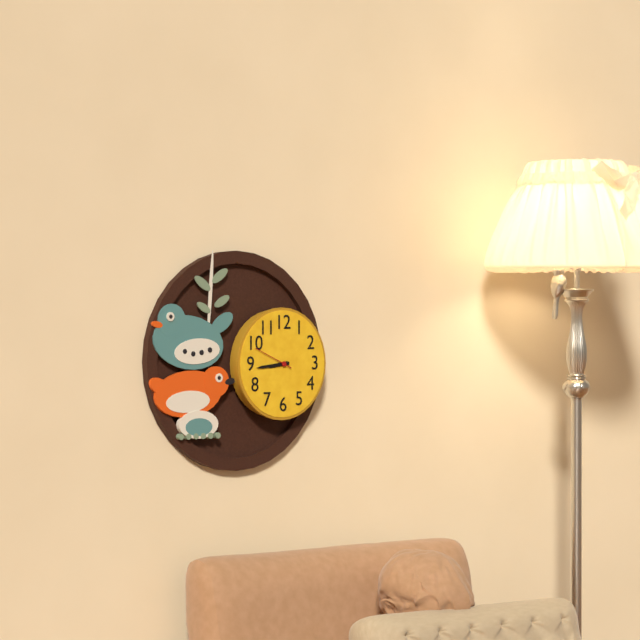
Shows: h=8 m=44
